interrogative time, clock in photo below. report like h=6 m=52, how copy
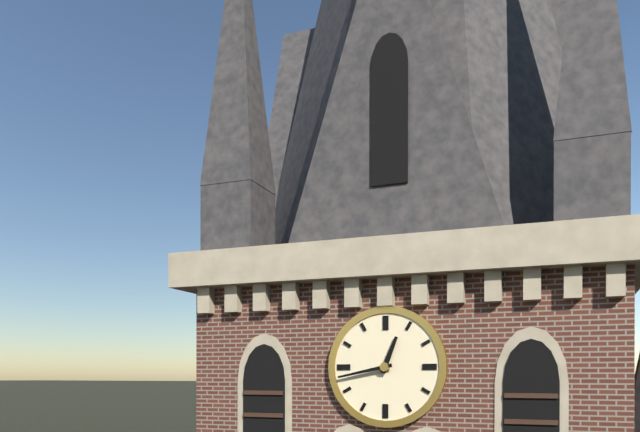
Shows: h=12 m=43
